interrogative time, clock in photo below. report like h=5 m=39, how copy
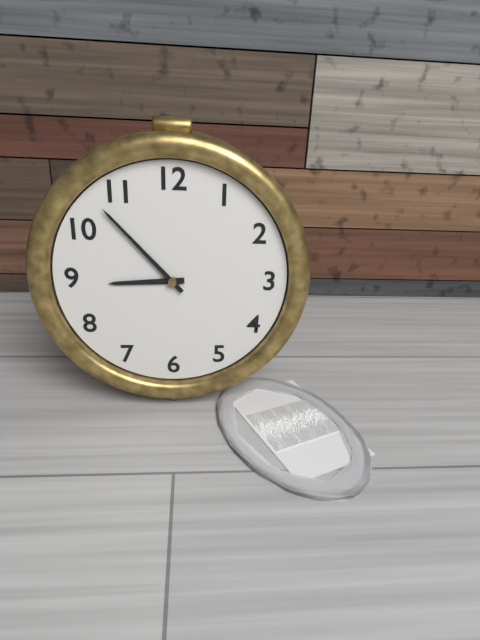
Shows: h=8 m=53
